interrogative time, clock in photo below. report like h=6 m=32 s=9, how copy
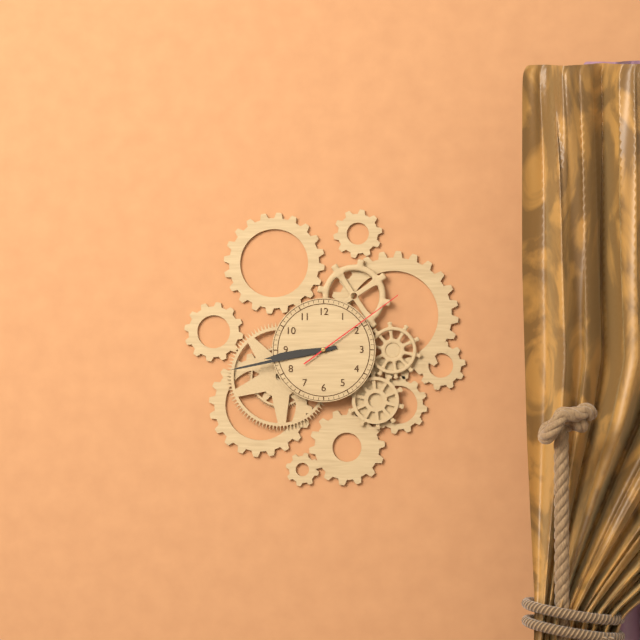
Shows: h=8 m=43 s=9
